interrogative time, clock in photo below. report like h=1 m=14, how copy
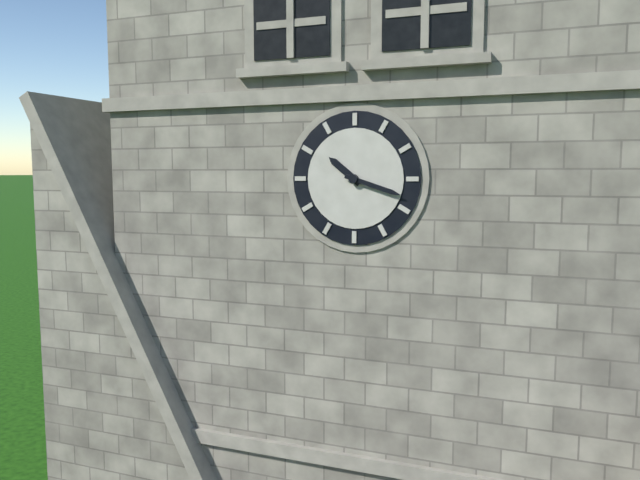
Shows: h=10 m=18
